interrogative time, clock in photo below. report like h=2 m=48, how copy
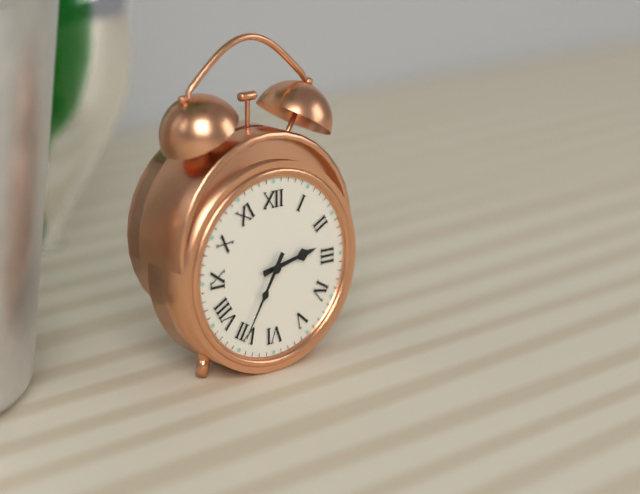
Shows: h=2 m=35
